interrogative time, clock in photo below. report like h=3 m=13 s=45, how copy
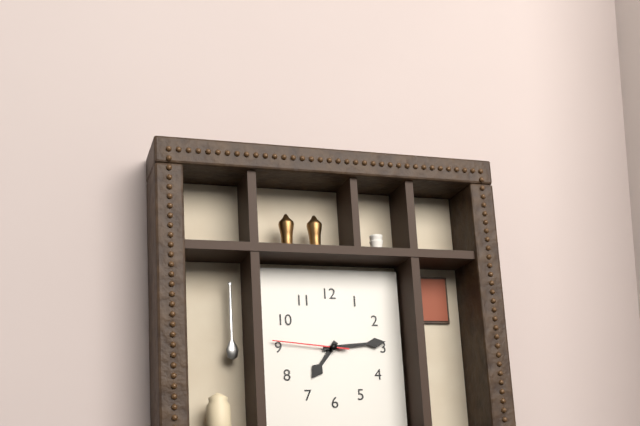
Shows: h=7 m=14 s=46
